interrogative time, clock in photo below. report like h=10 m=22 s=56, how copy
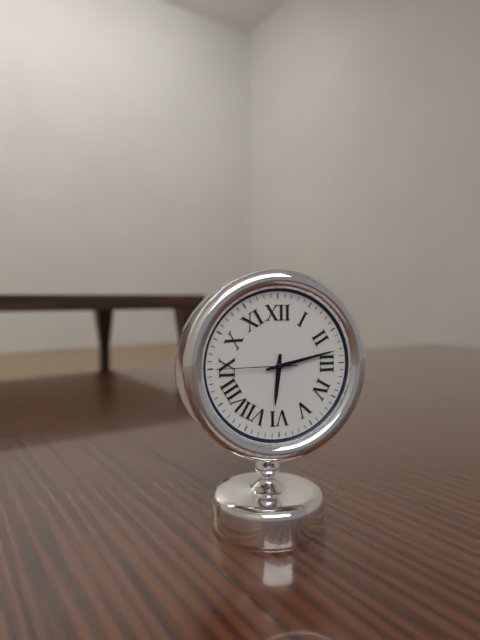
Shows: h=6 m=13 s=45
